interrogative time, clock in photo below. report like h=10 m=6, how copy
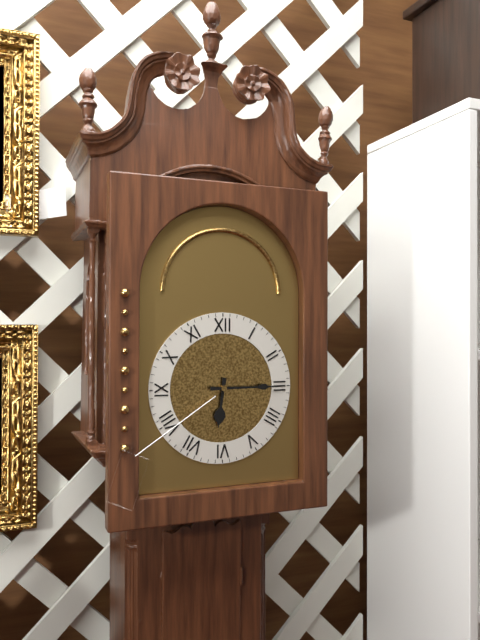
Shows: h=6 m=15
